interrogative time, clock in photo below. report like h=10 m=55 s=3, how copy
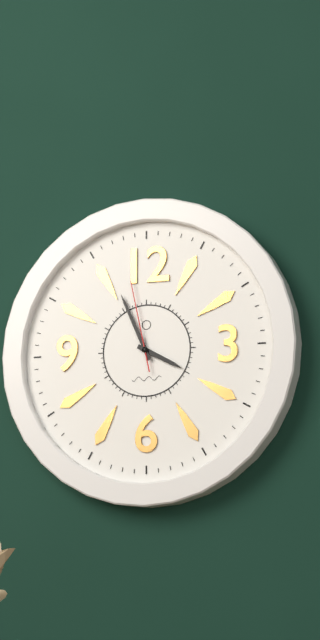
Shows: h=3 m=56 s=58
